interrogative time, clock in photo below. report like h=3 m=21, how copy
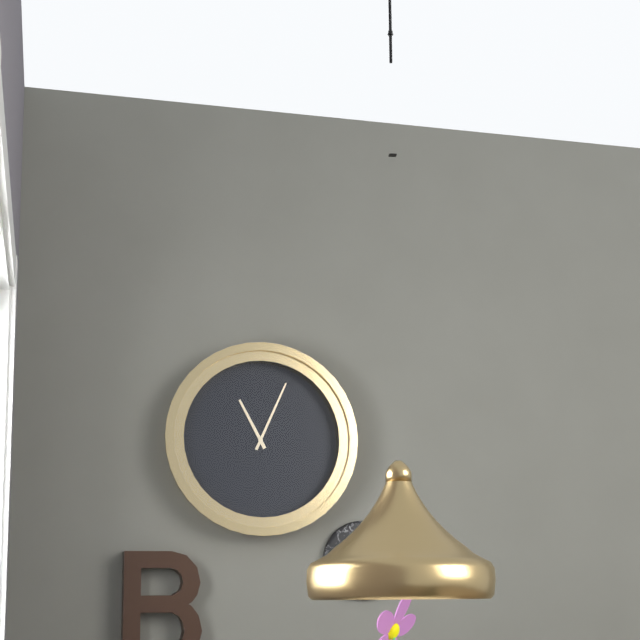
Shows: h=11 m=4
